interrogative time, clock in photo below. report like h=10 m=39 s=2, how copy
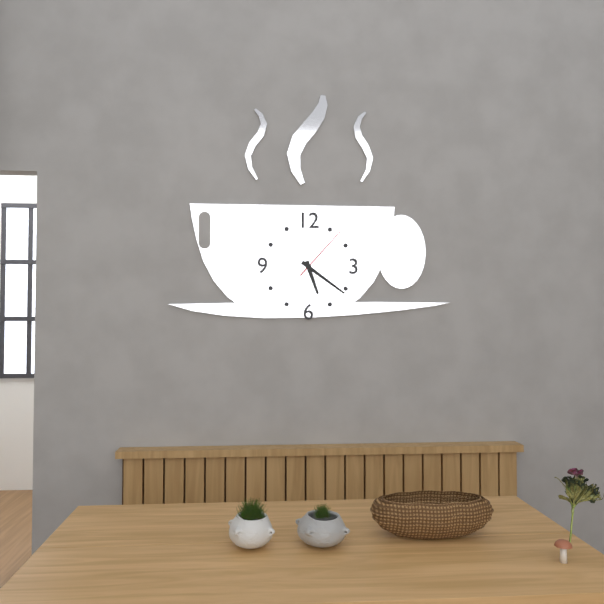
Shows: h=5 m=21 s=7
